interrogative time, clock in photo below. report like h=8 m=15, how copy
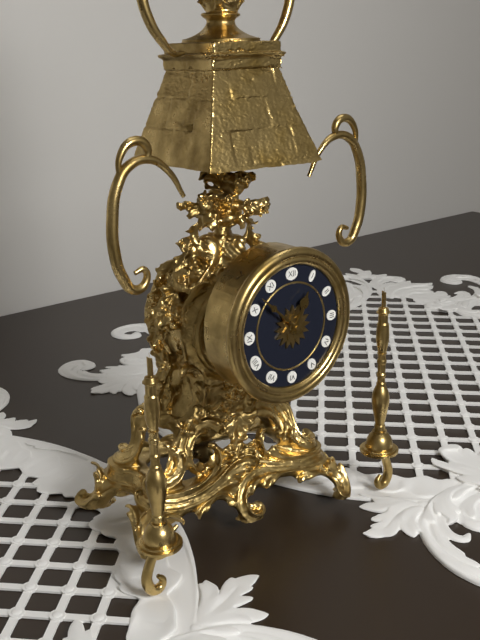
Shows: h=12 m=52
